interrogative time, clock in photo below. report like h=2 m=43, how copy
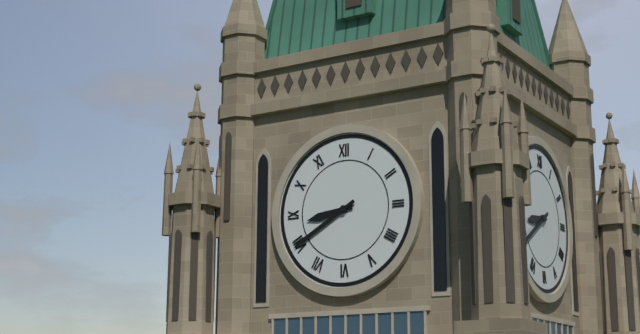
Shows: h=8 m=40
